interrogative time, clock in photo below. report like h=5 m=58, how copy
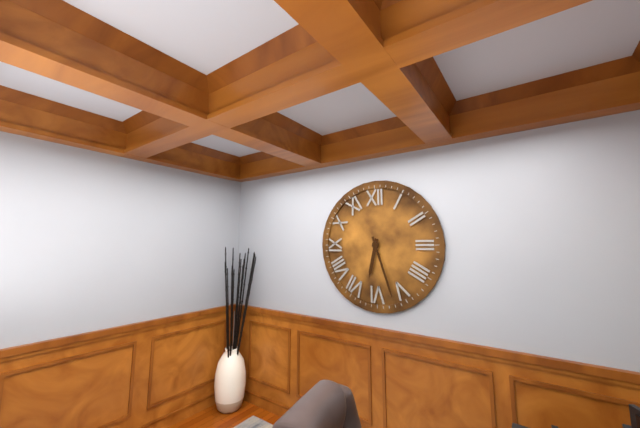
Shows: h=6 m=27
